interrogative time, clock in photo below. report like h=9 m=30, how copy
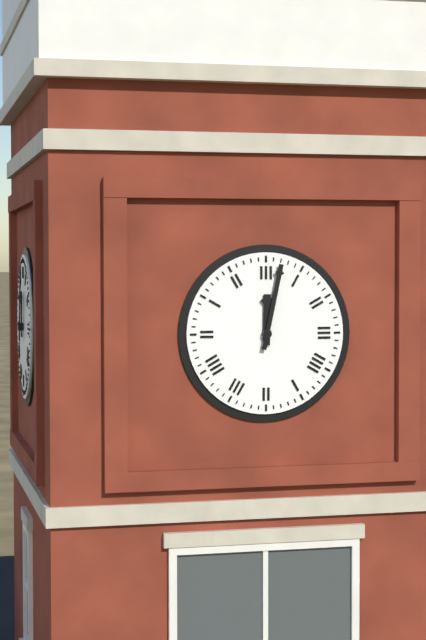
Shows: h=12 m=2
